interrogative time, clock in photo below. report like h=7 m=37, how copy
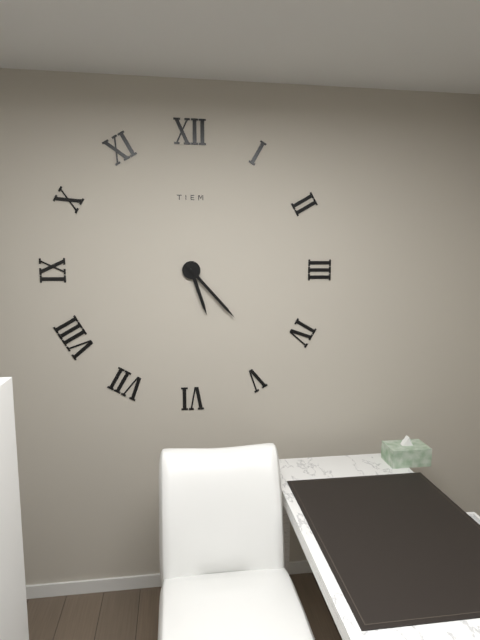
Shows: h=5 m=23
